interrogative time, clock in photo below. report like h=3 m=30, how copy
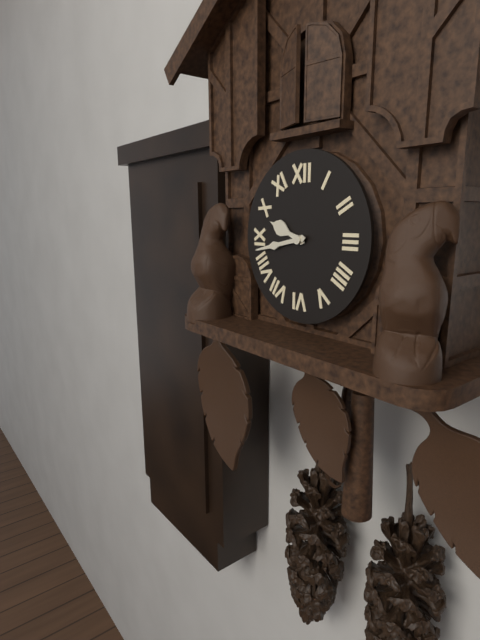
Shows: h=9 m=43
